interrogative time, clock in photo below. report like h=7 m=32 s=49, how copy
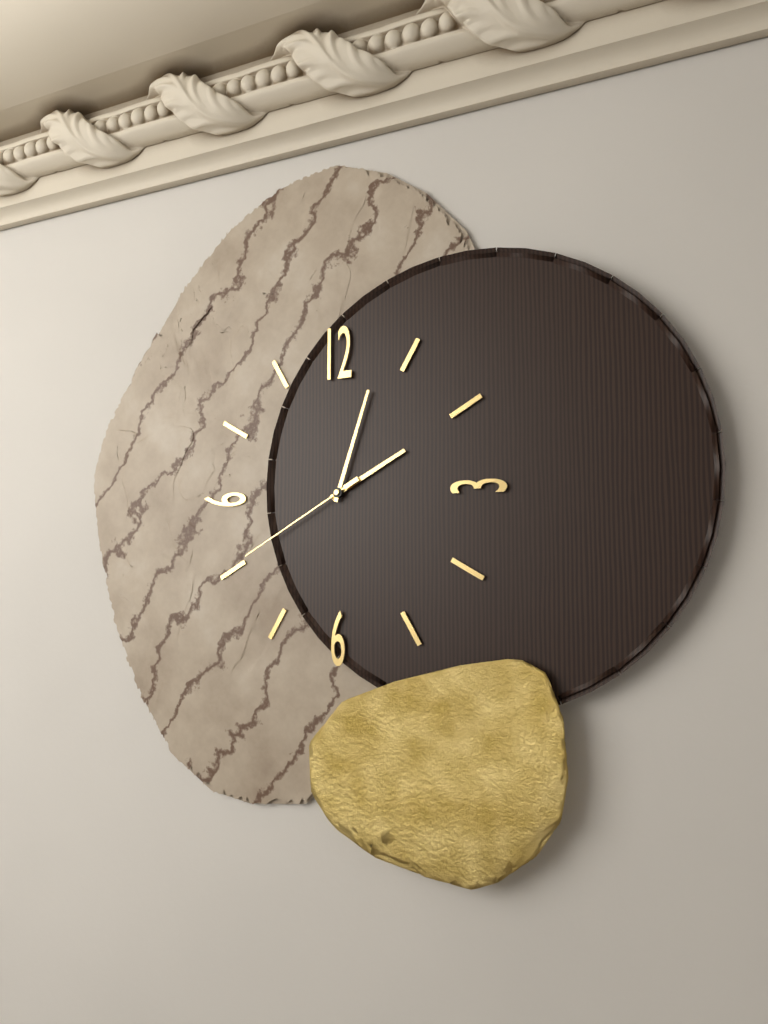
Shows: h=2 m=3 s=40
